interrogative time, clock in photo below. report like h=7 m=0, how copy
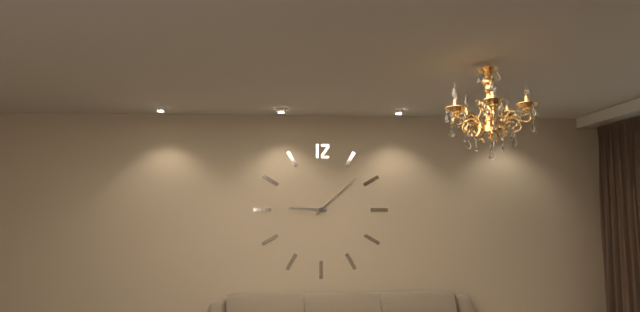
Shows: h=9 m=8
